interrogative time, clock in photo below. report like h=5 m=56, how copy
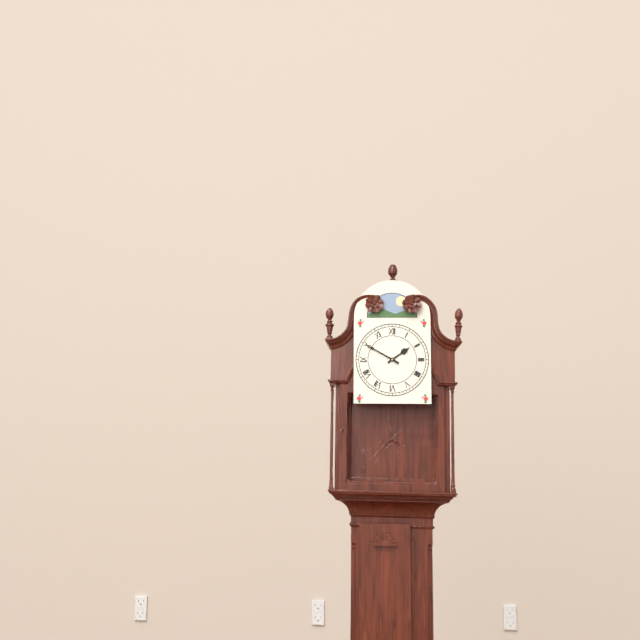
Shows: h=1 m=50
